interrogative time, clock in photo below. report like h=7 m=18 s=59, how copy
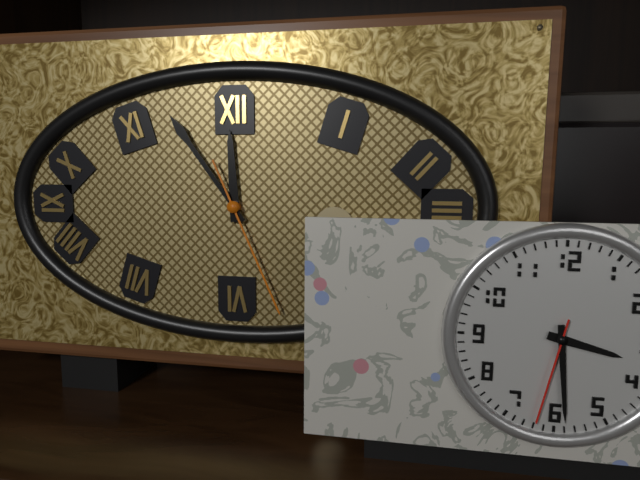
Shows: h=11 m=54 s=26
